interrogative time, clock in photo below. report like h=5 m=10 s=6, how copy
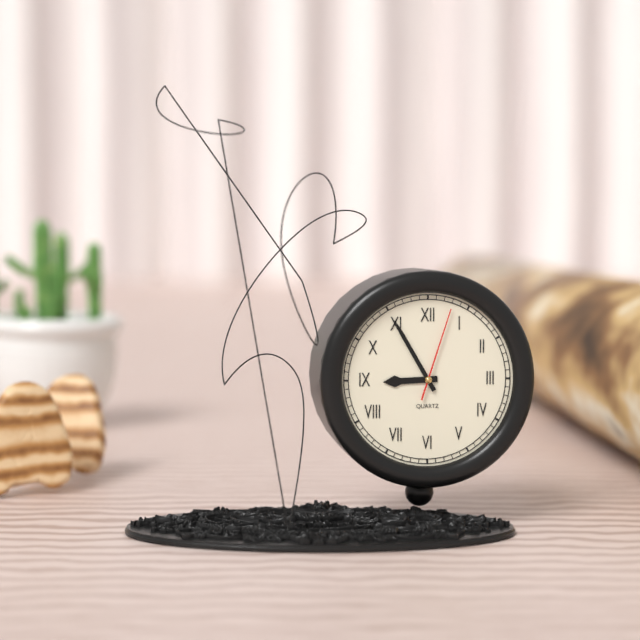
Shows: h=8 m=55 s=3
